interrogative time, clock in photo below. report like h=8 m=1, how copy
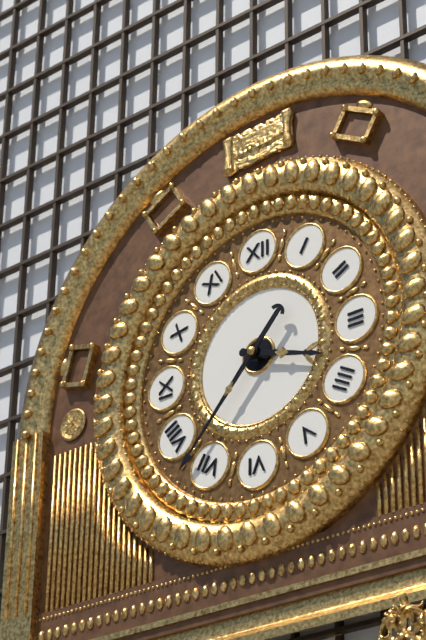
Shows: h=3 m=37
